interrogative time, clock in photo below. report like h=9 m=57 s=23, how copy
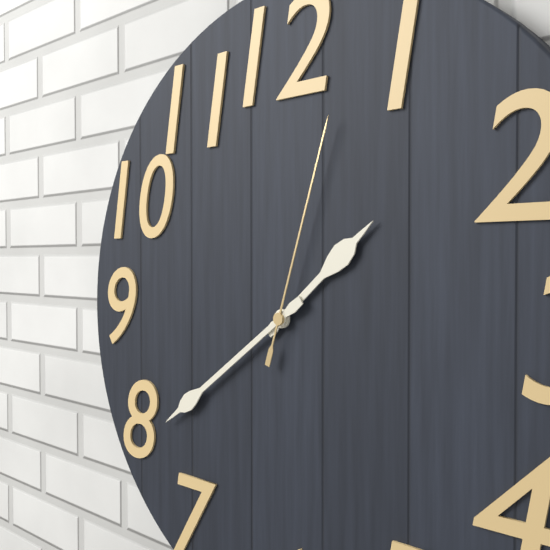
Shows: h=1 m=39 s=3
